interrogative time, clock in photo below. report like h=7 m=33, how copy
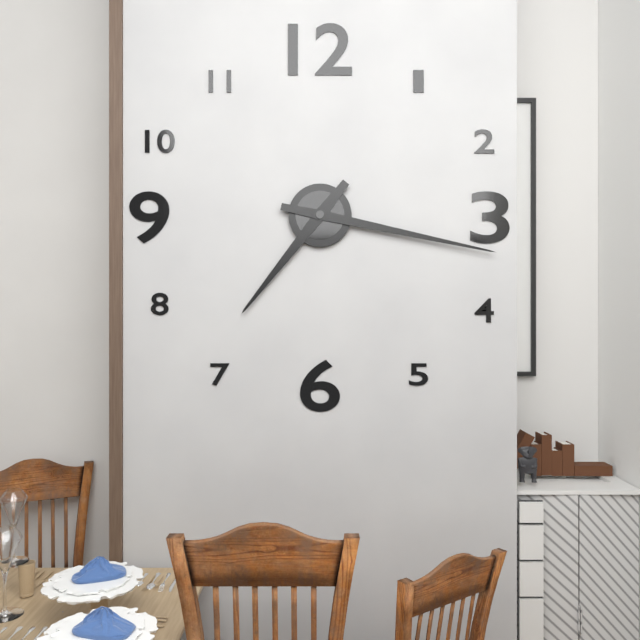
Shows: h=7 m=17
